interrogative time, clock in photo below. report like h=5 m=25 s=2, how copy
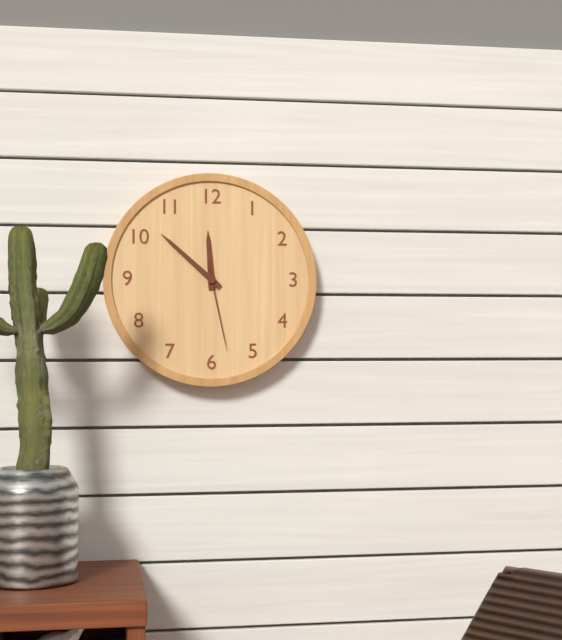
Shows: h=11 m=52 s=28
